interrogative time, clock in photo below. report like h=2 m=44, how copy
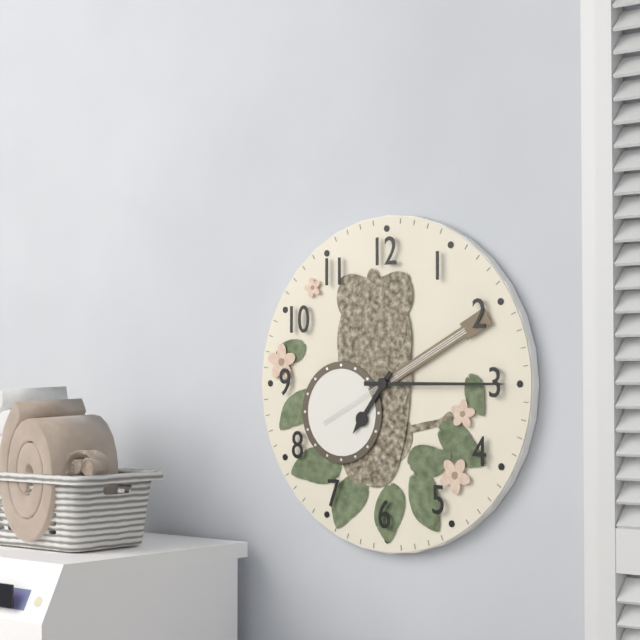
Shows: h=7 m=15
